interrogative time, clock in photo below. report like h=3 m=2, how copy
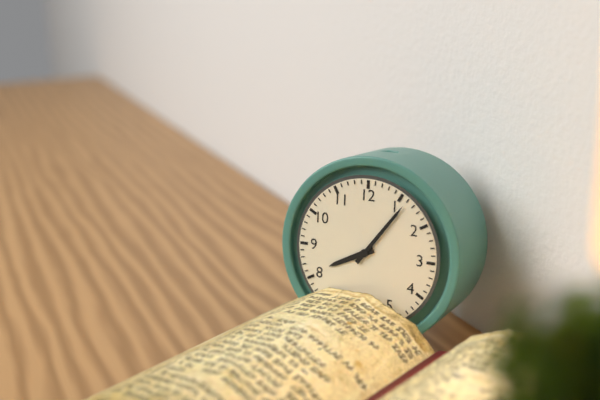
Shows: h=8 m=6
